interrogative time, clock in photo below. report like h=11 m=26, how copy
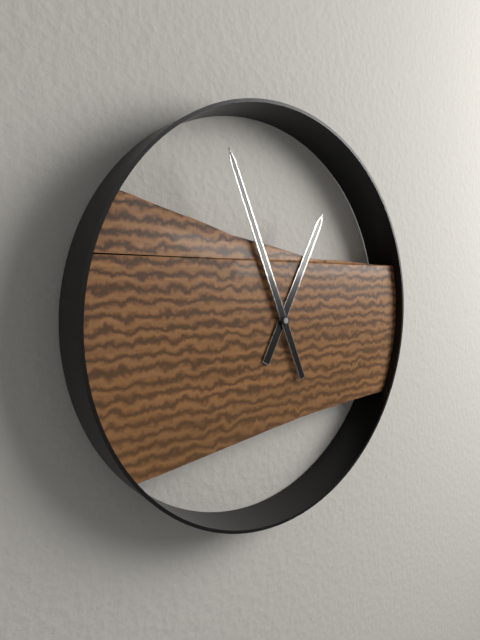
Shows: h=12 m=56
